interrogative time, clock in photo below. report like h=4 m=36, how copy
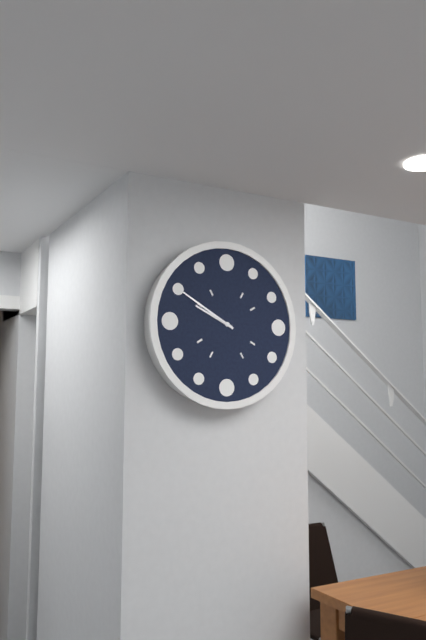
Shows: h=9 m=50
